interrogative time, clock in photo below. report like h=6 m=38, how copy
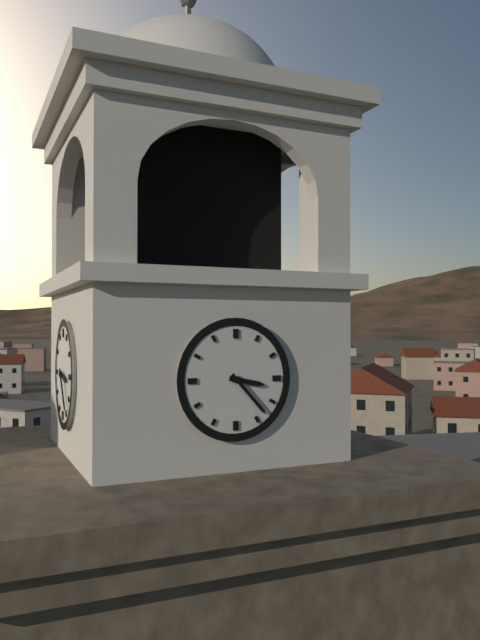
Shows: h=3 m=23
